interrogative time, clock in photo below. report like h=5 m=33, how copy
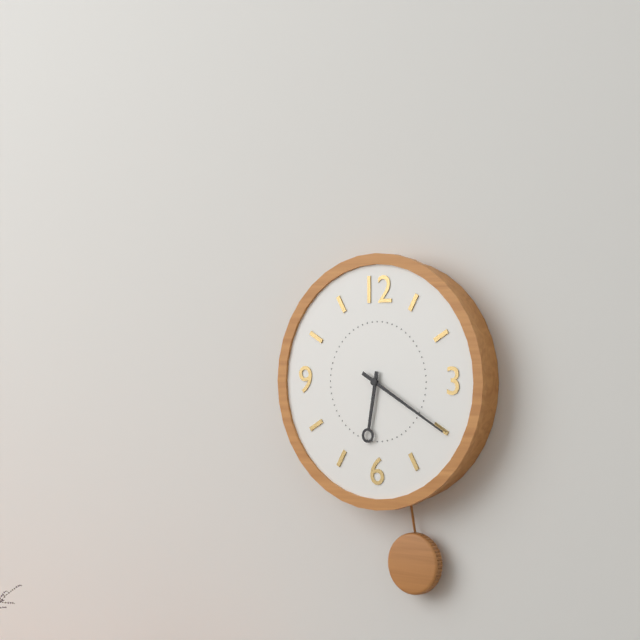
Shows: h=6 m=20
